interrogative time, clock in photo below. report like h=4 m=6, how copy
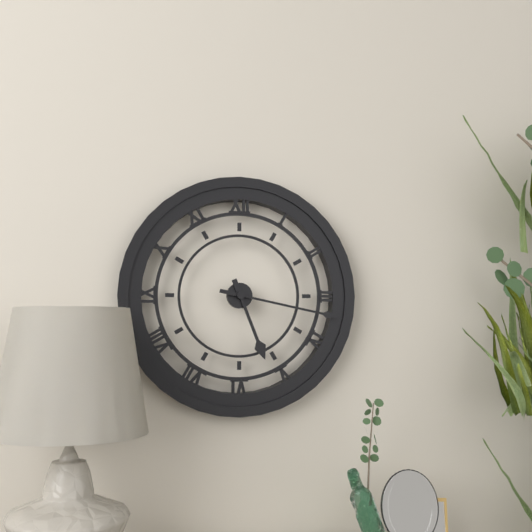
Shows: h=5 m=17
